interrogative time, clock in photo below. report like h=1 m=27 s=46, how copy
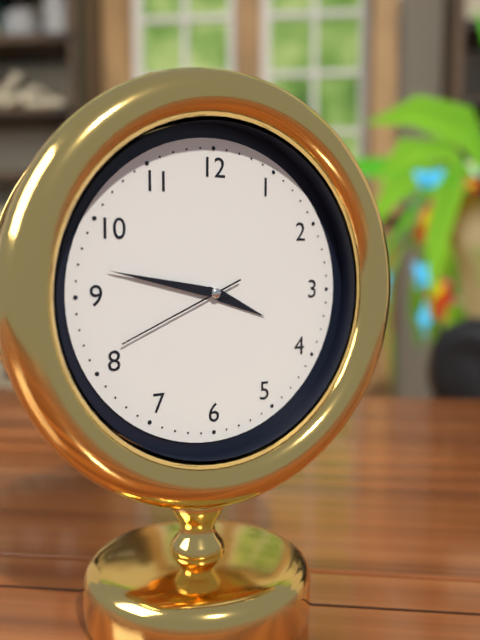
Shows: h=3 m=47 s=41
